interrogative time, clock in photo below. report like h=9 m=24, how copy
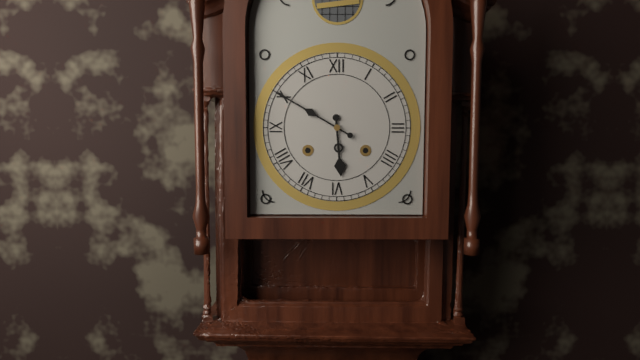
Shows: h=5 m=50
